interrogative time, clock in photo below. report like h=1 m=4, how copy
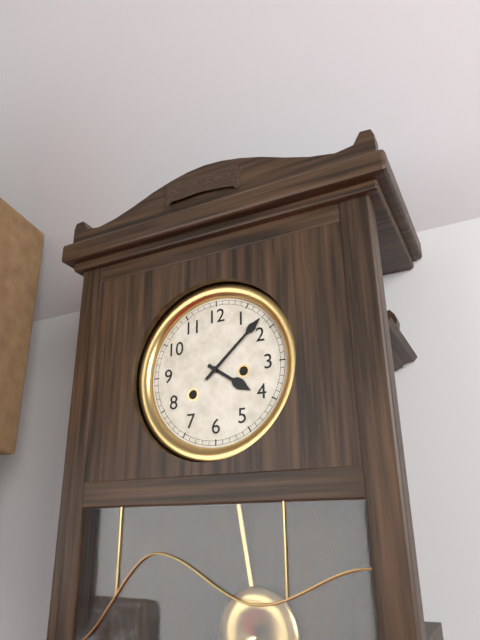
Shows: h=4 m=8
